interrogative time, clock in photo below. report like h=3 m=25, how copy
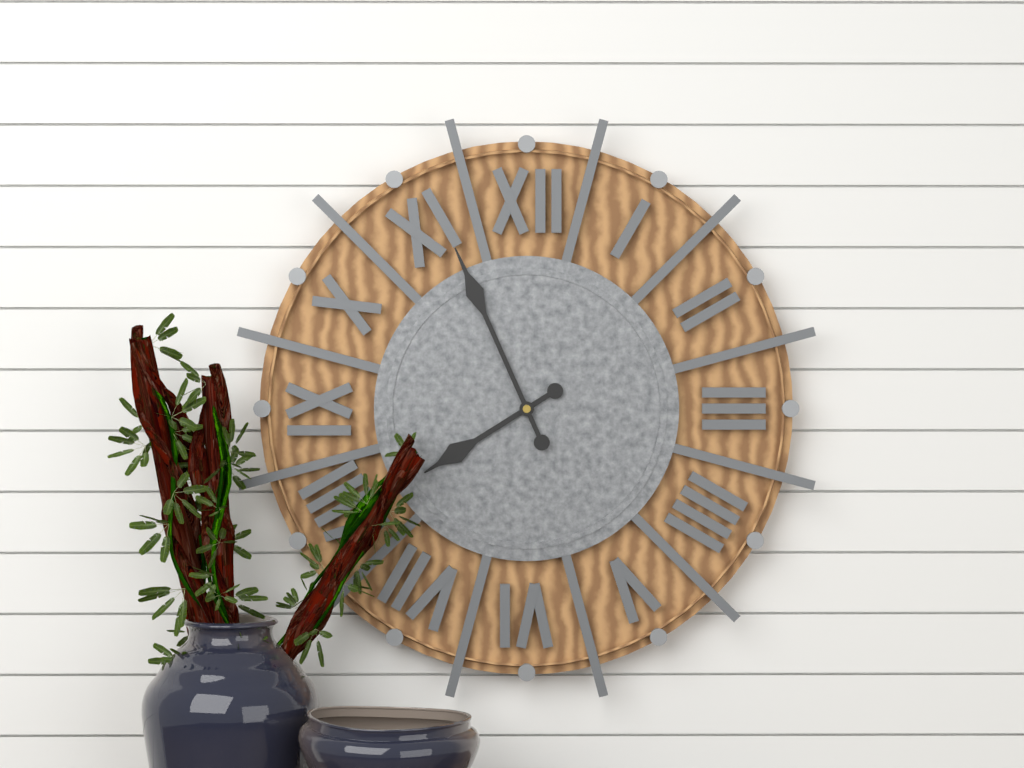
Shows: h=7 m=56
